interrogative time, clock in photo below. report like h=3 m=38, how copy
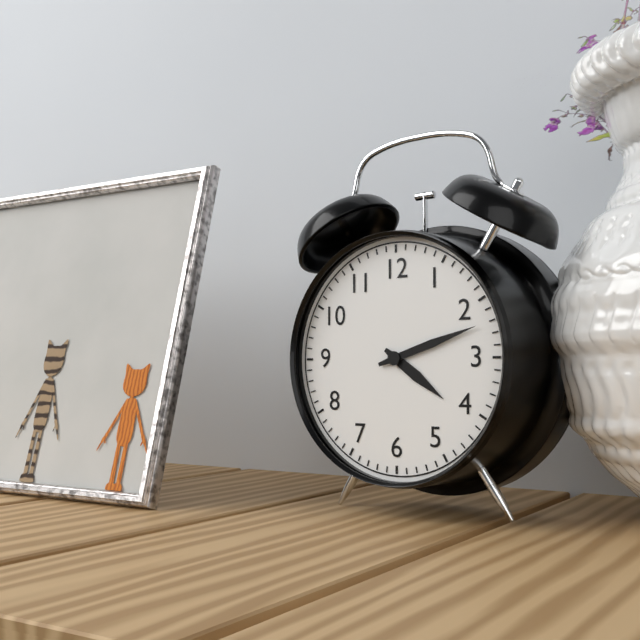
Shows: h=4 m=12
